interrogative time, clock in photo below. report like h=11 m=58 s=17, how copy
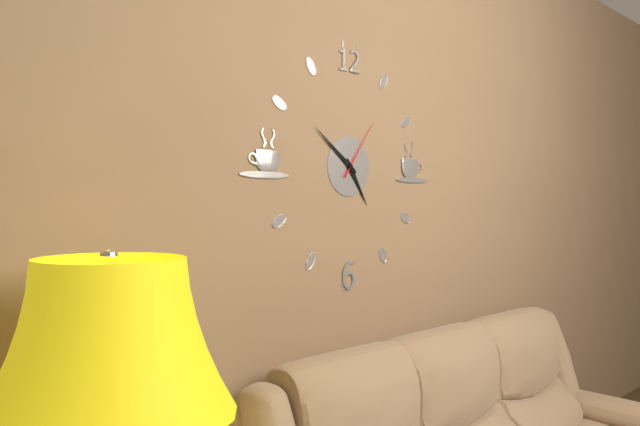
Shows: h=4 m=51 s=6
